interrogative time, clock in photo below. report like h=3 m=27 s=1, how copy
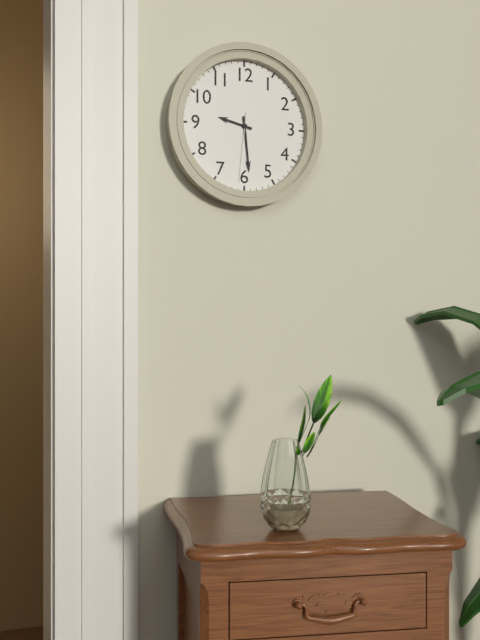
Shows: h=9 m=29 s=31
